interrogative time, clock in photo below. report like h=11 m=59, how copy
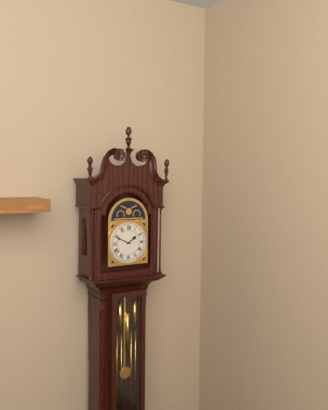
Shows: h=1 m=49
